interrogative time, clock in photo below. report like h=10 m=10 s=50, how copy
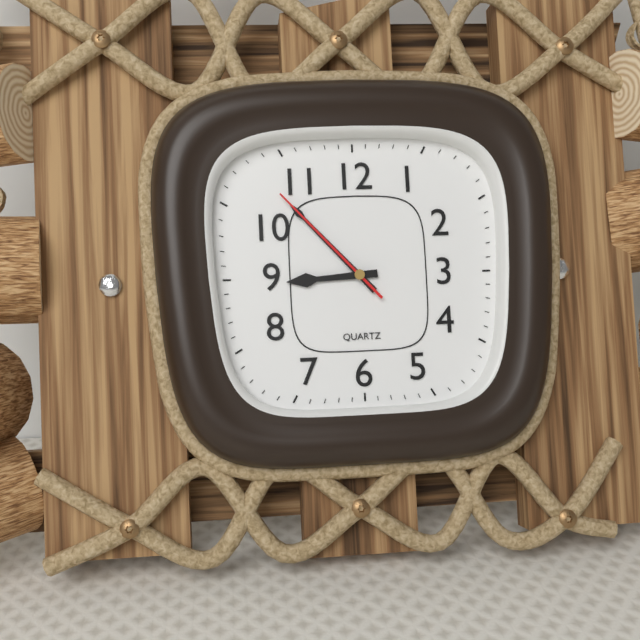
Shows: h=8 m=53 s=53
